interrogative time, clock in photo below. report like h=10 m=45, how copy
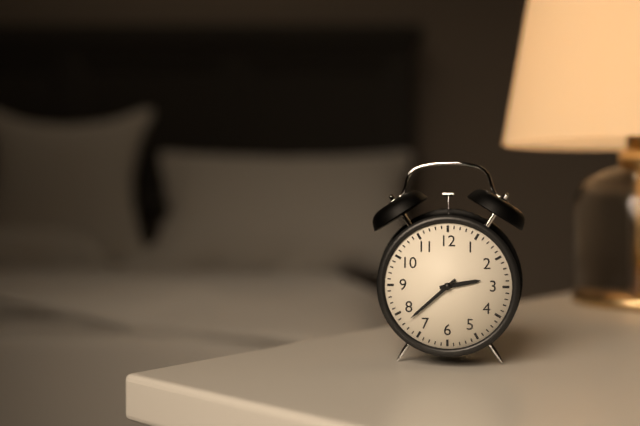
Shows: h=2 m=38
